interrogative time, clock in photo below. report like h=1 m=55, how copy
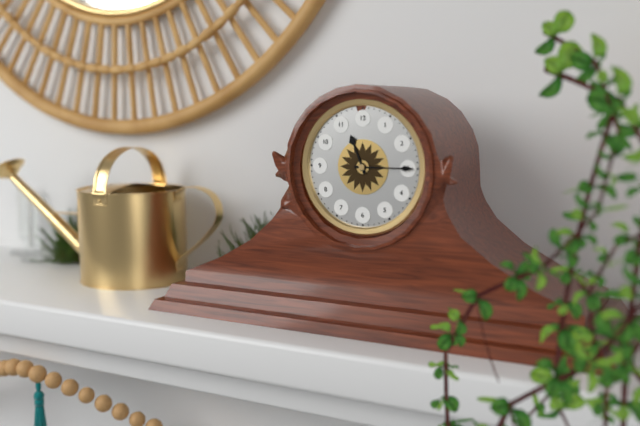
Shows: h=11 m=15
